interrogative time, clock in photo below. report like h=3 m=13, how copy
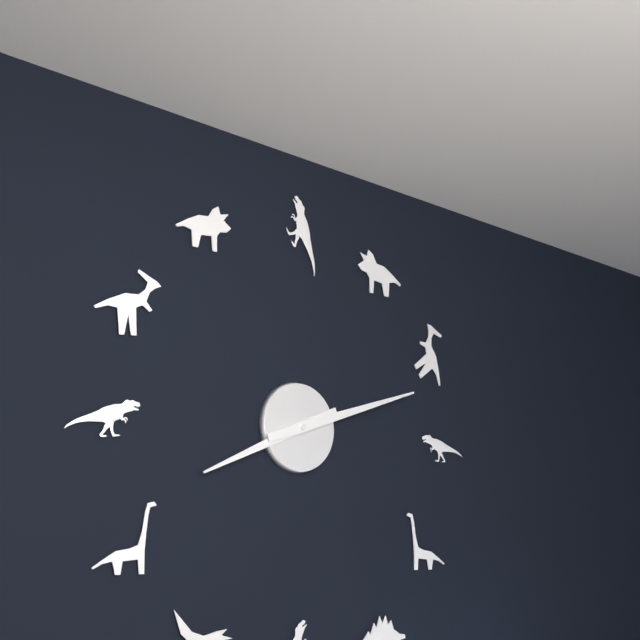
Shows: h=8 m=12
